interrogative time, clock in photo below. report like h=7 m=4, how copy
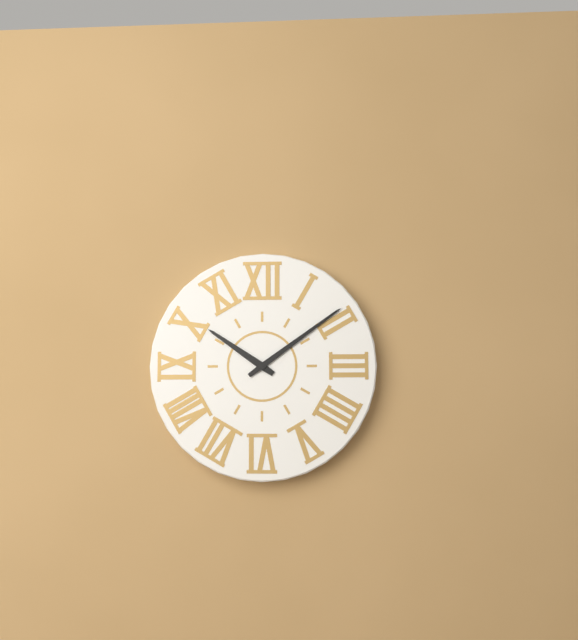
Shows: h=10 m=9
